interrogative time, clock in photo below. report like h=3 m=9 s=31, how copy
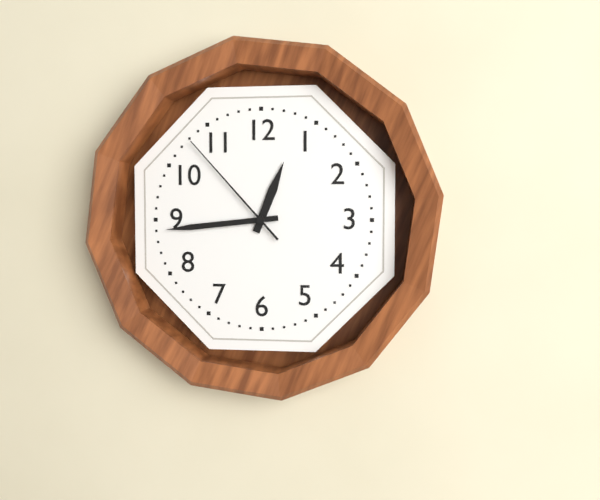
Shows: h=12 m=44 s=53
